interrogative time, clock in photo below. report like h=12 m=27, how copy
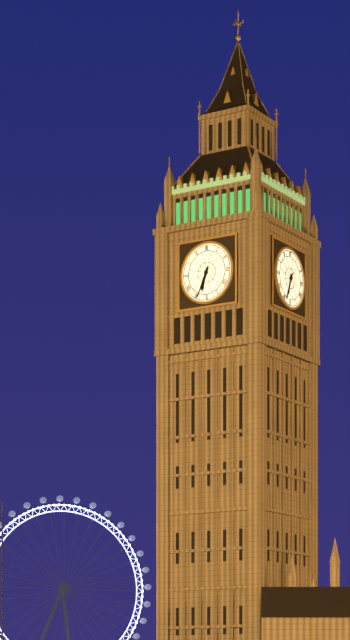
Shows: h=6 m=34
